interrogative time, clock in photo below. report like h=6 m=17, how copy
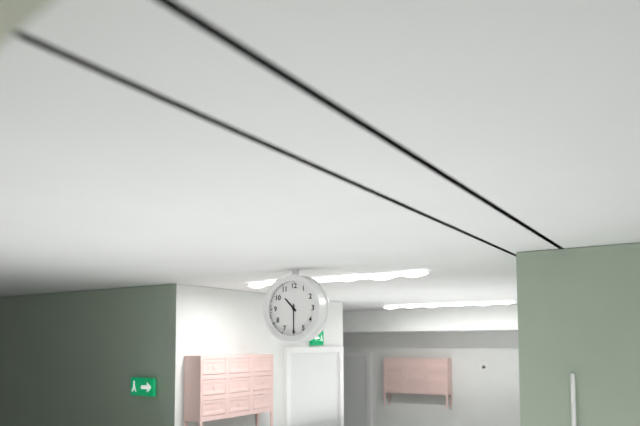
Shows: h=10 m=30
